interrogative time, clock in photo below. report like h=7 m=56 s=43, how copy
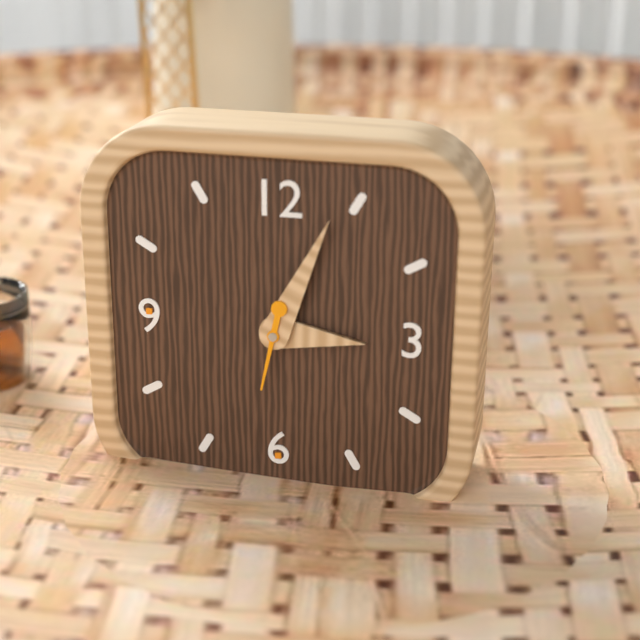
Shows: h=3 m=4 s=32
